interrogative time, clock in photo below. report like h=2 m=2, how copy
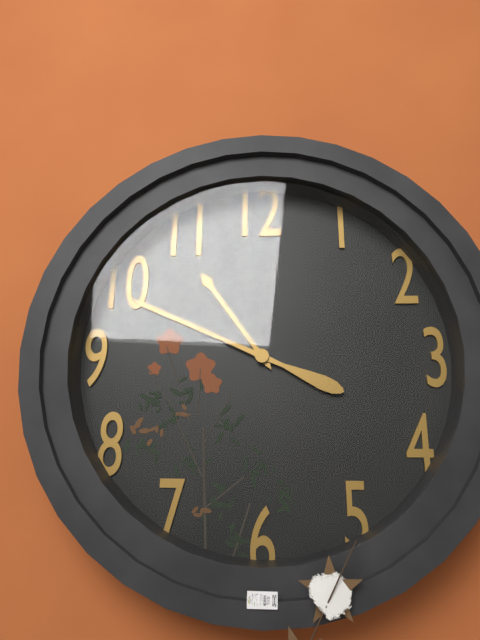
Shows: h=10 m=49
